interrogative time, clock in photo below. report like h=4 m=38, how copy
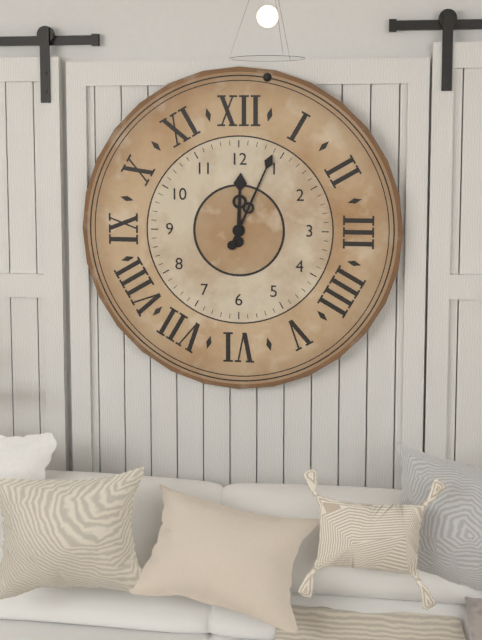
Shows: h=12 m=4
